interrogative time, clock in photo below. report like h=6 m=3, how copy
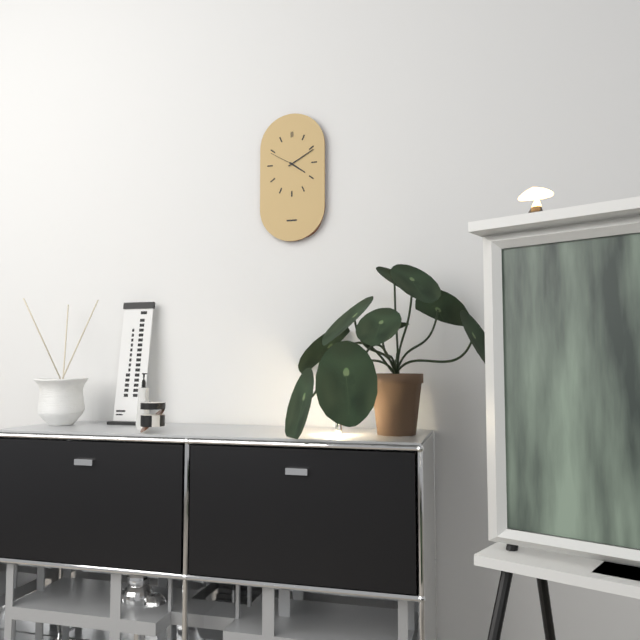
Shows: h=4 m=10
